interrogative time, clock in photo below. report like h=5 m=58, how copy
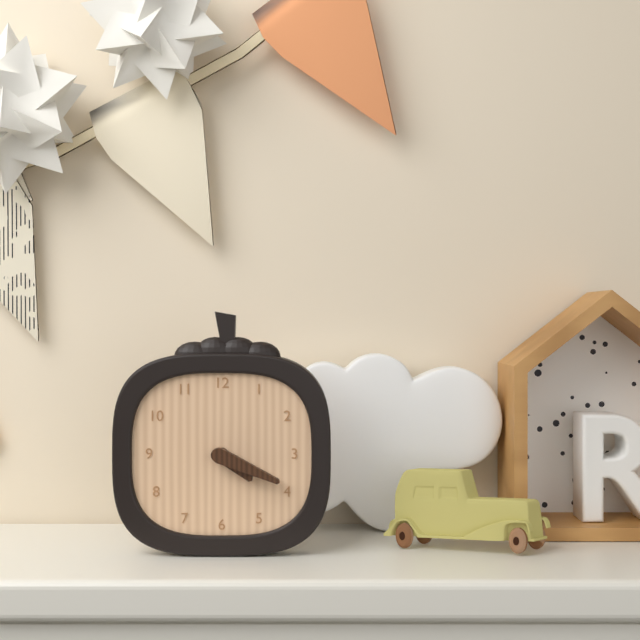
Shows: h=4 m=19
